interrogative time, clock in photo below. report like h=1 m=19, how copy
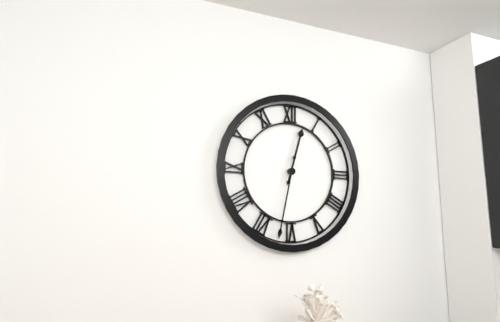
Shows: h=12 m=32
